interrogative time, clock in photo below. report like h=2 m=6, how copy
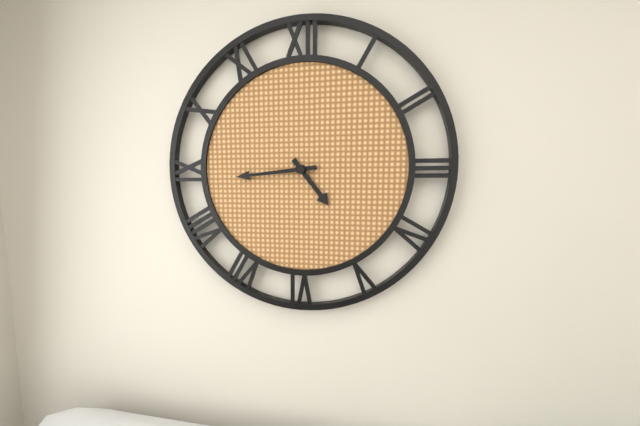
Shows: h=4 m=44
